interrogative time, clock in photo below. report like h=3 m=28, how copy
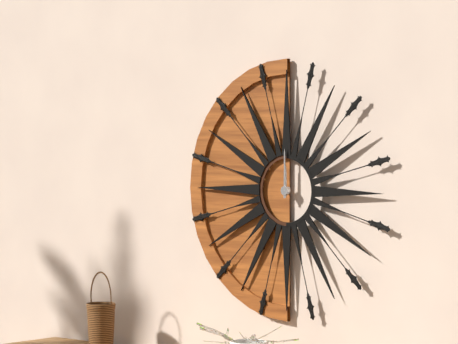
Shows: h=12 m=0
